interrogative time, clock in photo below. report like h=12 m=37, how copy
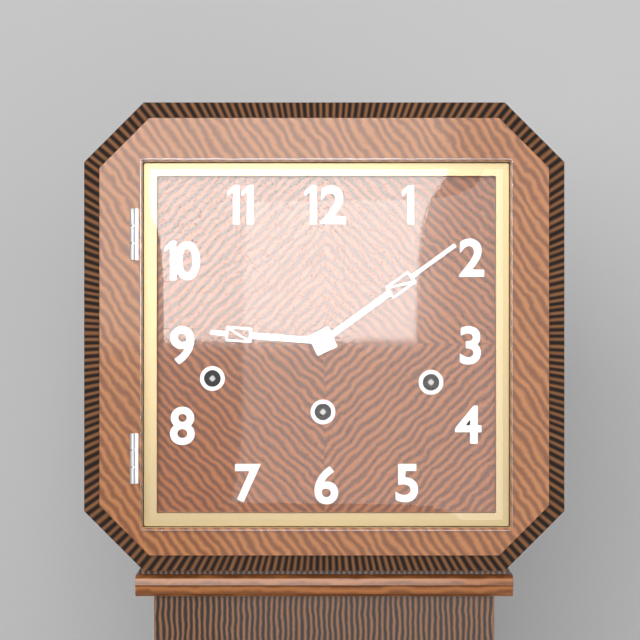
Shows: h=9 m=9
